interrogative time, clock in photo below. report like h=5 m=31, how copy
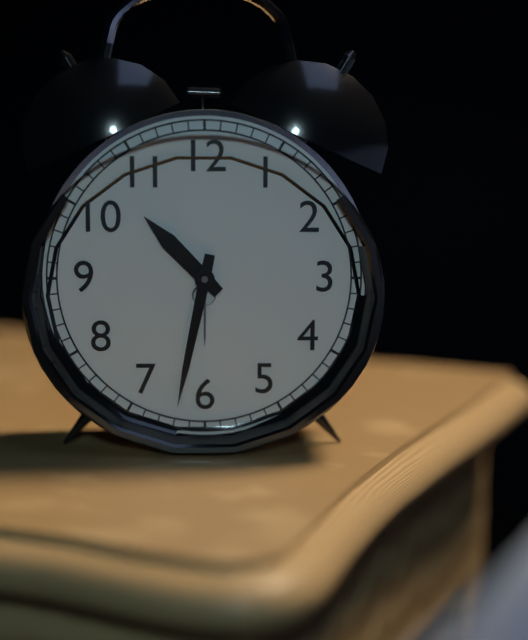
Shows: h=10 m=32
